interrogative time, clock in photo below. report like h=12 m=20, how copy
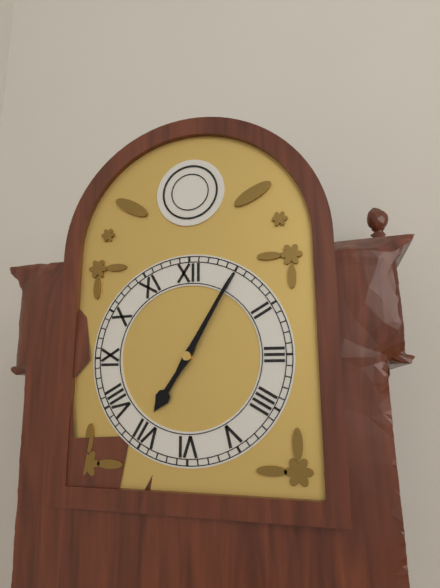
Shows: h=7 m=5
